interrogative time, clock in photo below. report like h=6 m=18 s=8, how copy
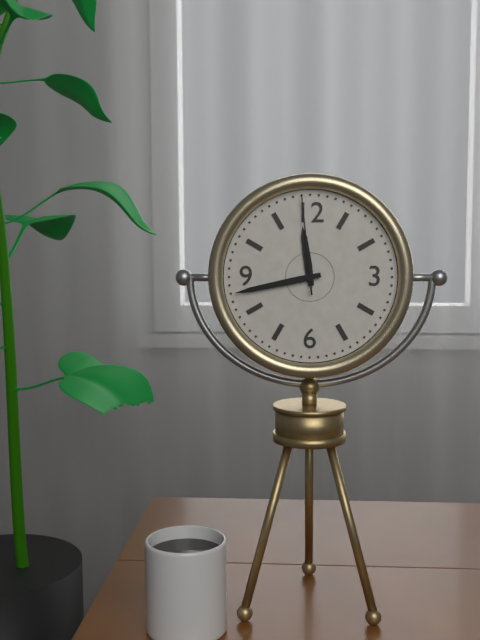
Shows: h=11 m=43 s=59
